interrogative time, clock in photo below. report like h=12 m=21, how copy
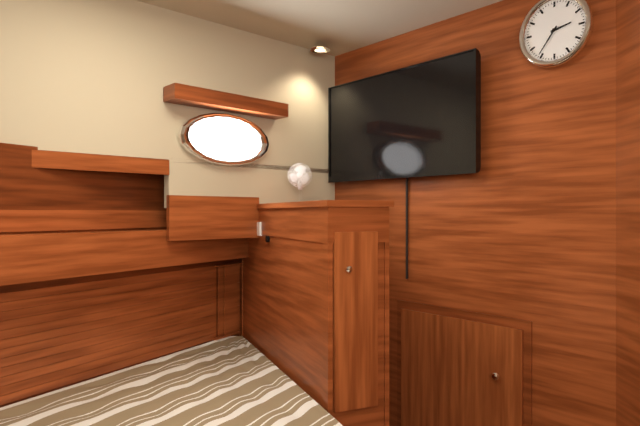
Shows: h=2 m=36
